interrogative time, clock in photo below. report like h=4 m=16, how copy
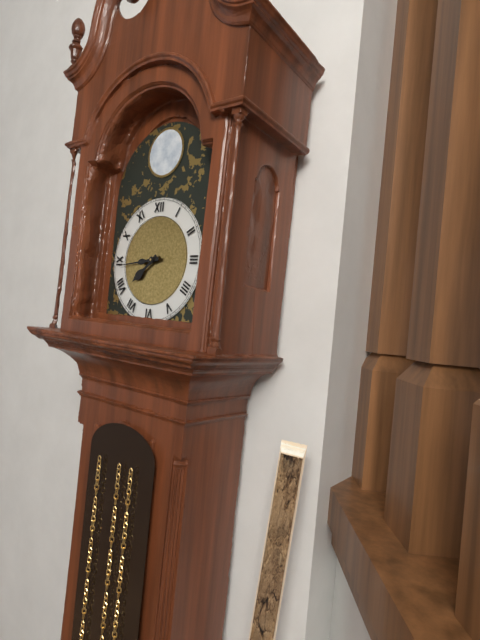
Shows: h=7 m=44
